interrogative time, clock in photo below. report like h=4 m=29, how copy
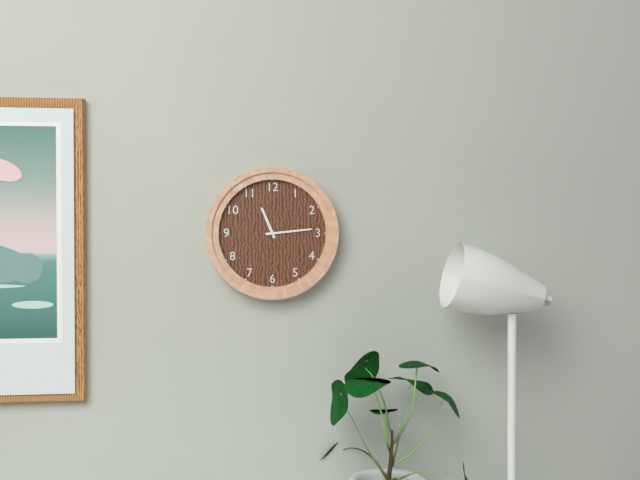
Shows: h=11 m=14
